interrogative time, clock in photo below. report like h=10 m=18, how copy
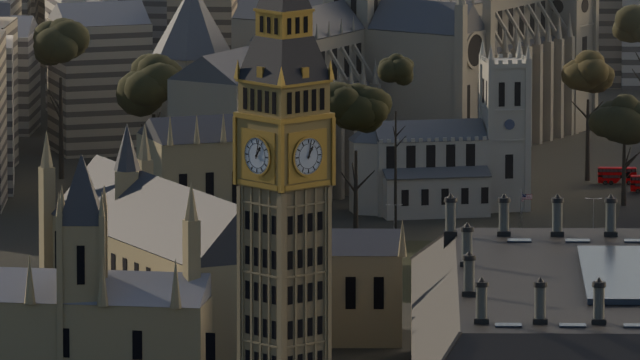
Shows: h=1 m=2
